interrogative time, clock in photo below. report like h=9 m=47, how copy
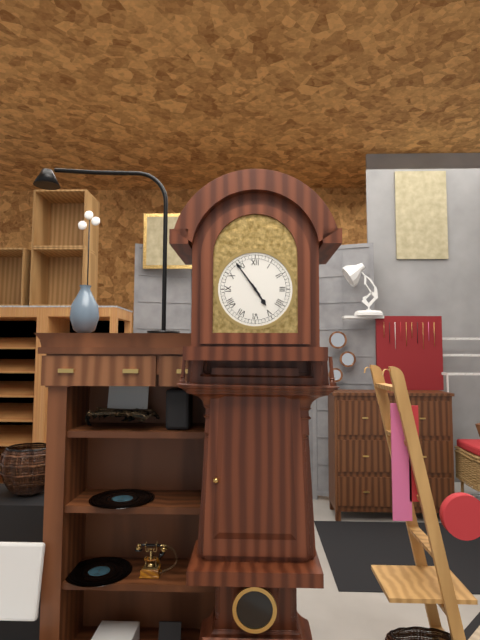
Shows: h=4 m=54
